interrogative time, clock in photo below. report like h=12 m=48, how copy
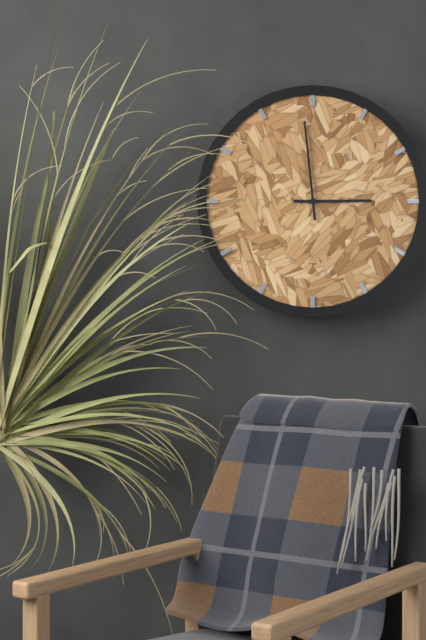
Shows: h=2 m=59
